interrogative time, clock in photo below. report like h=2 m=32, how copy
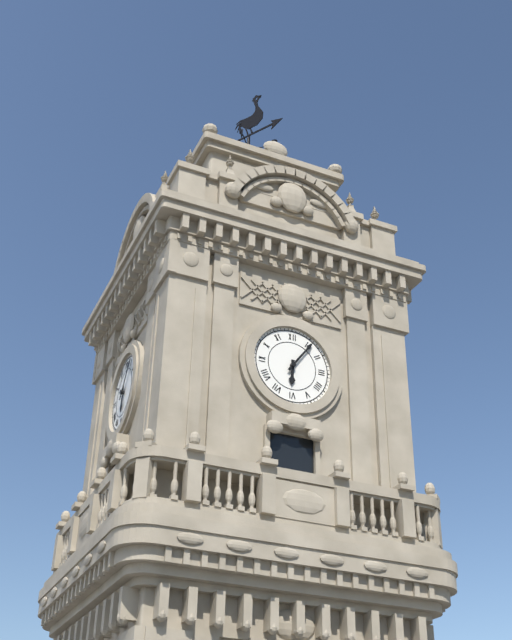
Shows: h=6 m=6
